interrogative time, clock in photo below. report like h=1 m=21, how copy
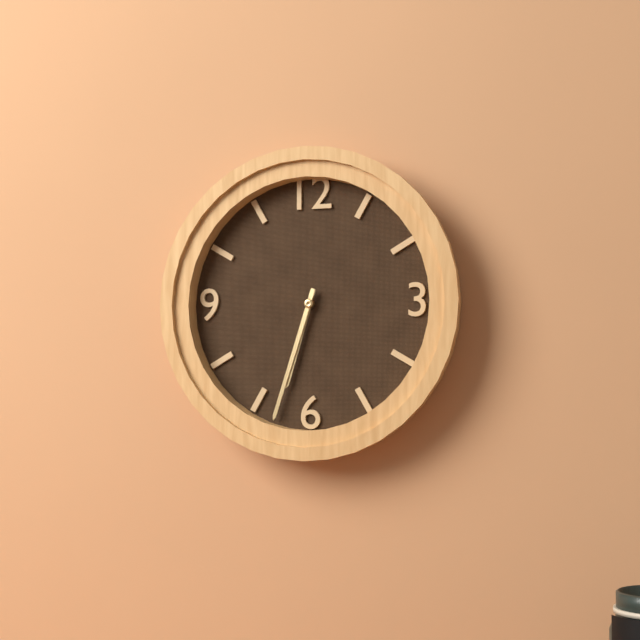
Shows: h=6 m=33
